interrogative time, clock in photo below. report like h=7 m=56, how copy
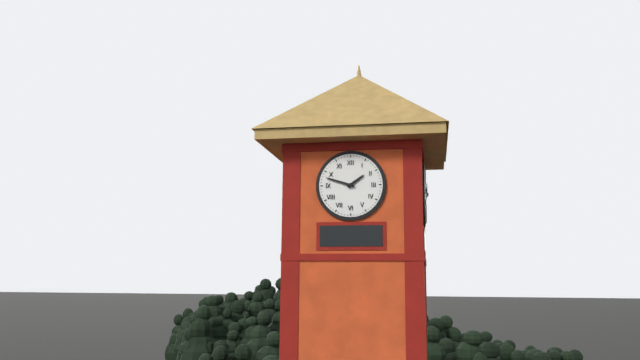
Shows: h=1 m=48
